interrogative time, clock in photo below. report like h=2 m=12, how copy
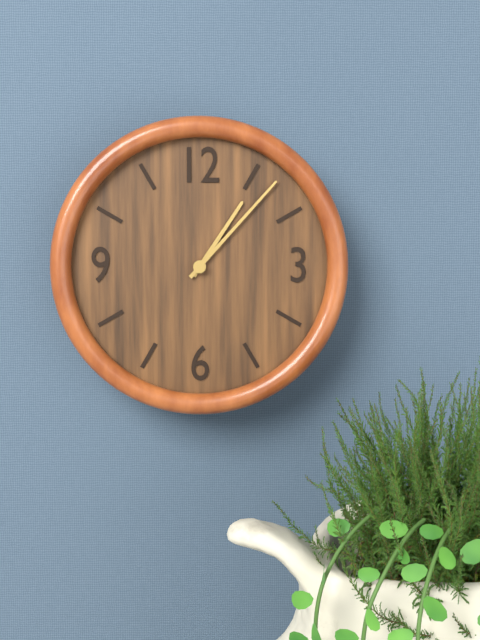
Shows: h=1 m=7
